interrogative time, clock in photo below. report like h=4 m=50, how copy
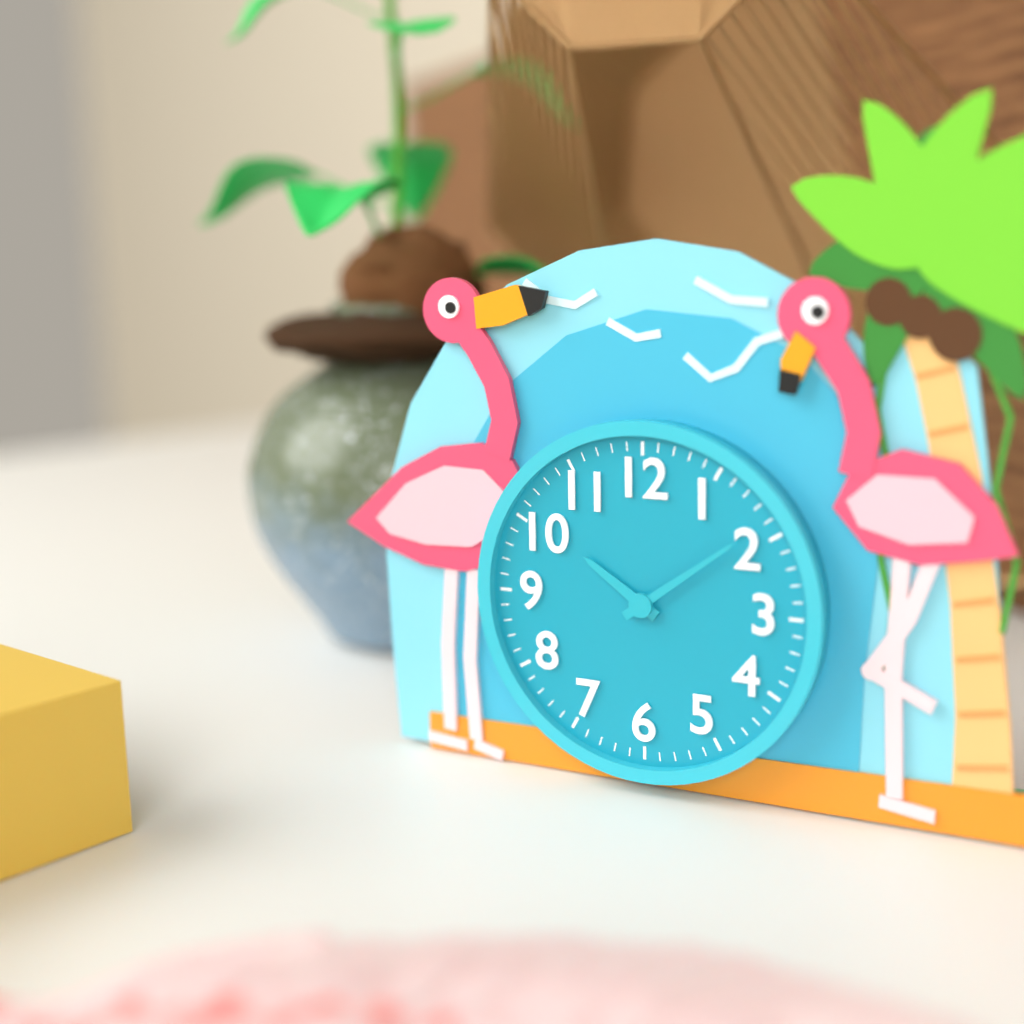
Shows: h=10 m=9
